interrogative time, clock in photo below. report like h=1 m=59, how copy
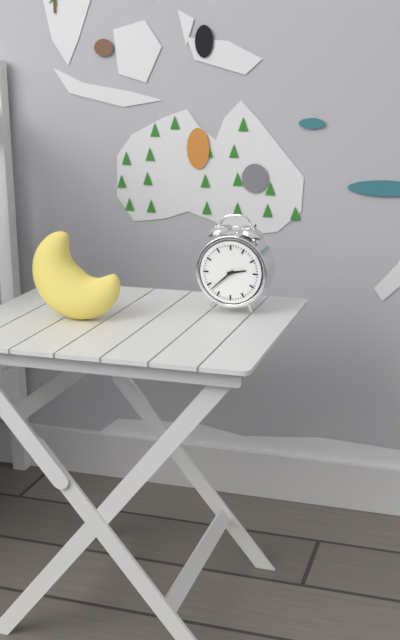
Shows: h=2 m=38
